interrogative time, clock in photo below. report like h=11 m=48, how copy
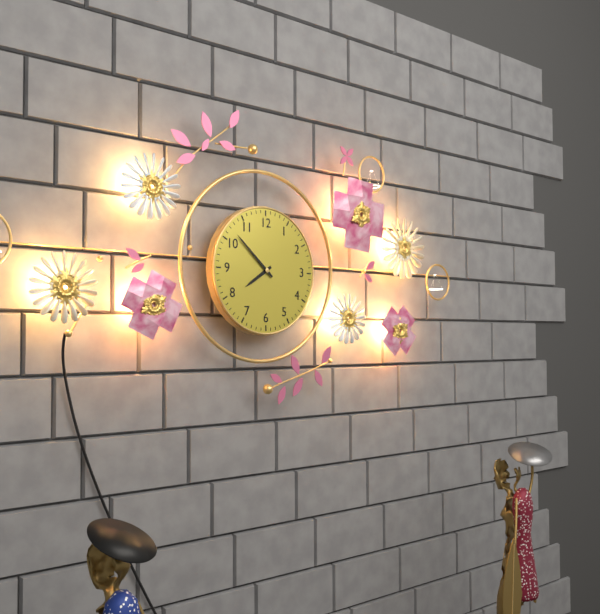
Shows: h=7 m=52
